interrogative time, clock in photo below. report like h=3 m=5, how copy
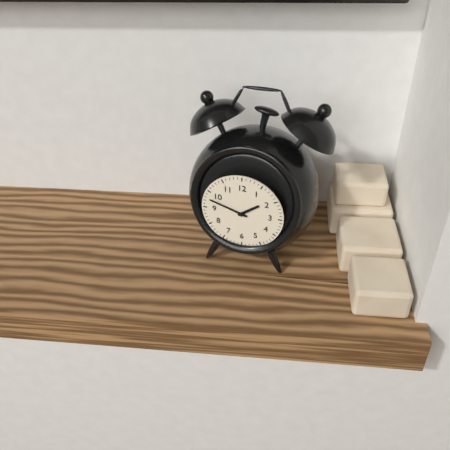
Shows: h=1 m=48
